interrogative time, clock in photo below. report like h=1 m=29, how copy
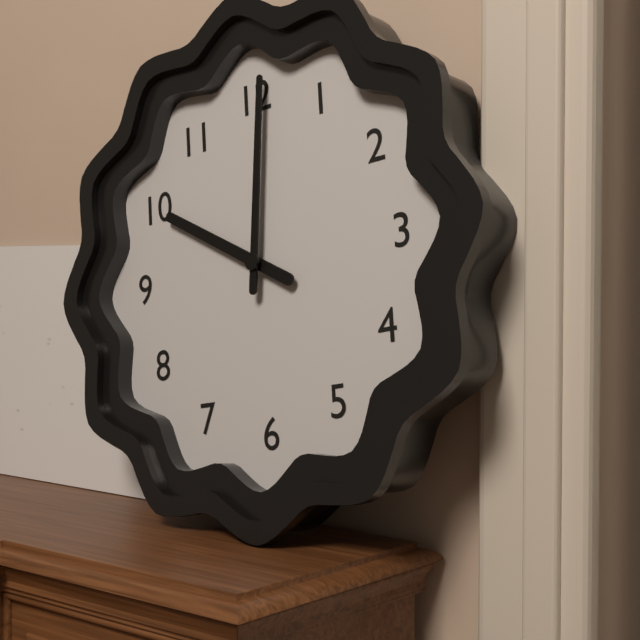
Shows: h=10 m=1
